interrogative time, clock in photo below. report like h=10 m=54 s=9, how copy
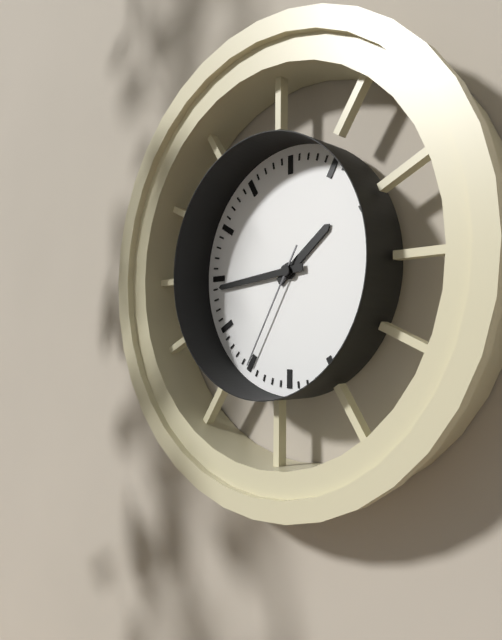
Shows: h=1 m=44 s=35
